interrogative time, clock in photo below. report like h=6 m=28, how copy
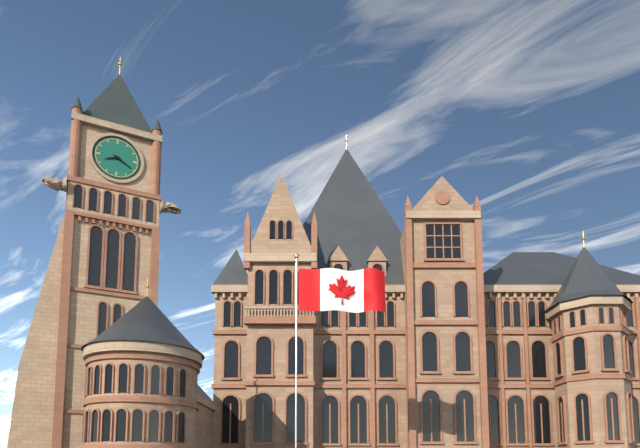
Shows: h=8 m=20
